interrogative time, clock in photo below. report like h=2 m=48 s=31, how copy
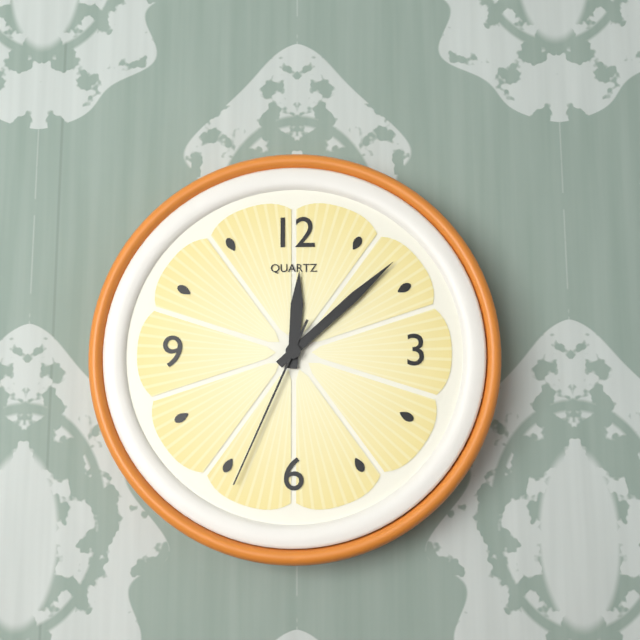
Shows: h=12 m=8 s=34
